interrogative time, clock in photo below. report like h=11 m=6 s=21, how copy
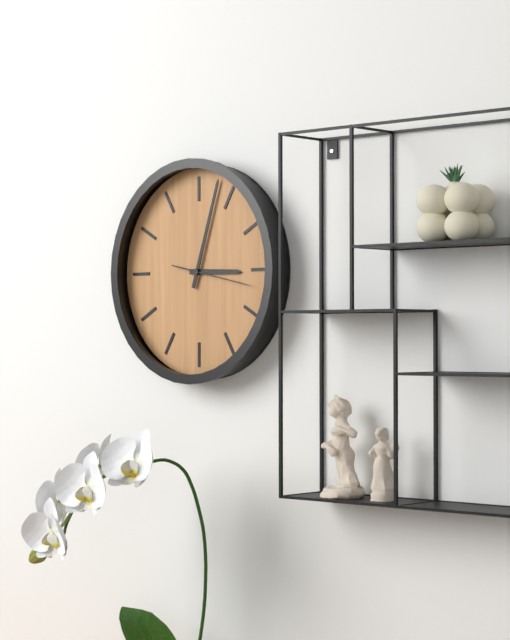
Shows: h=3 m=3 s=17
